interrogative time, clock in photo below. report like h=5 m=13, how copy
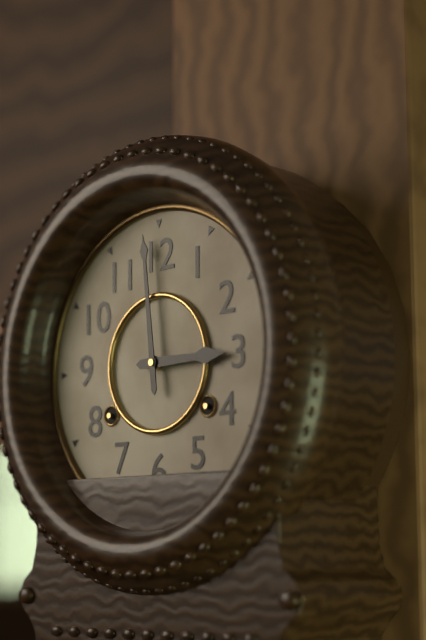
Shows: h=2 m=59
